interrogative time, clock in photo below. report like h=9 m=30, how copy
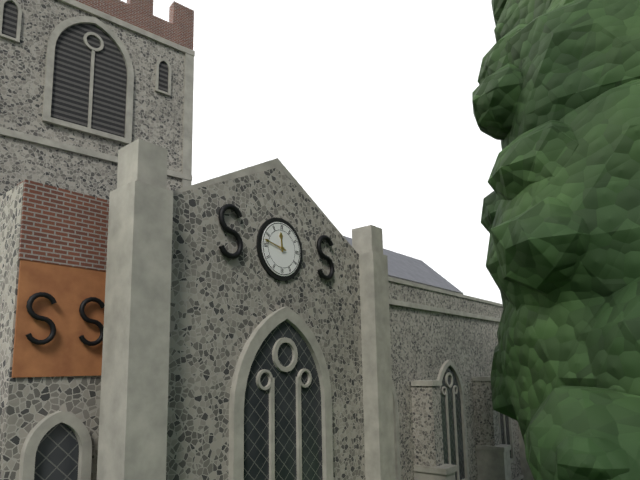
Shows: h=11 m=47
